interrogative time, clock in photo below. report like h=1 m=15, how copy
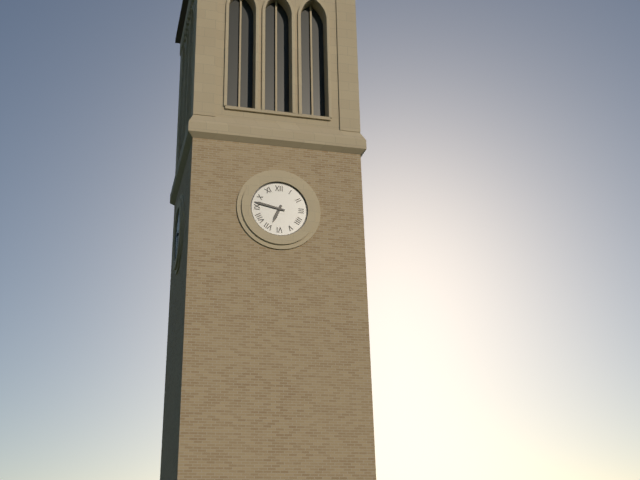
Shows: h=6 m=47
